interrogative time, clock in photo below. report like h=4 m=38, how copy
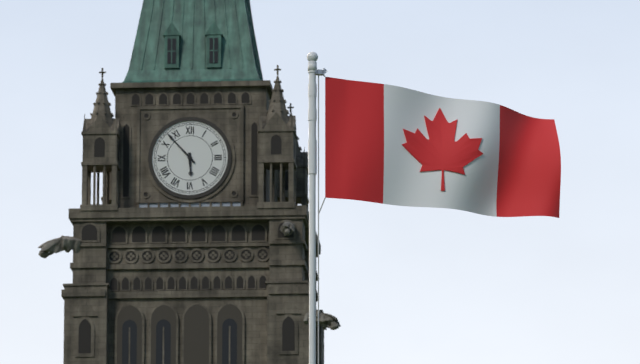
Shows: h=5 m=53
